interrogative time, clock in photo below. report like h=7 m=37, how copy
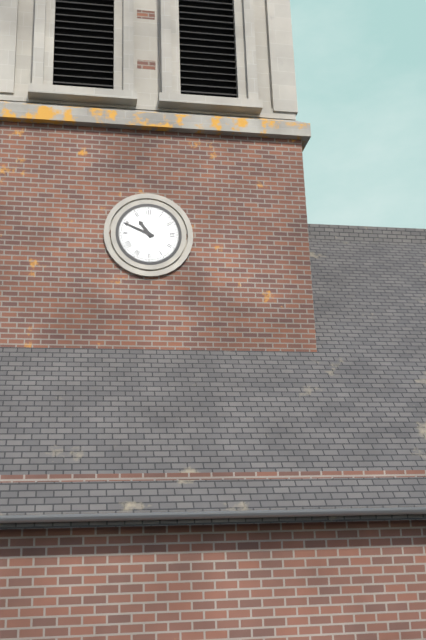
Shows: h=10 m=49
